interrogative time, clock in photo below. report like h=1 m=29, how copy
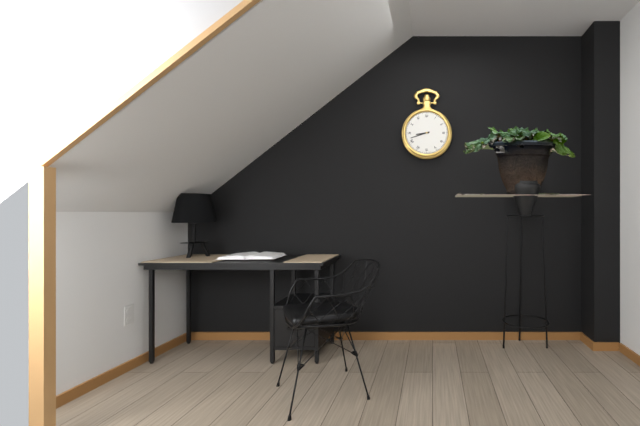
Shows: h=8 m=42
